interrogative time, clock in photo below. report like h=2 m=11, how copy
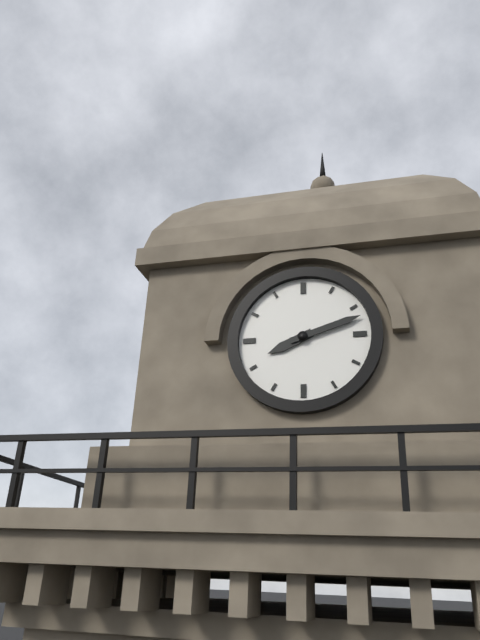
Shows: h=8 m=12
